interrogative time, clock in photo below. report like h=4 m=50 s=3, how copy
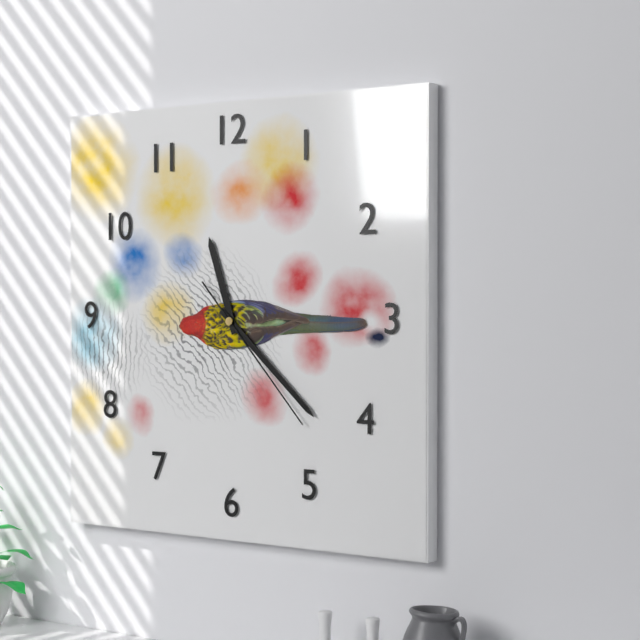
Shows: h=11 m=22 s=23
